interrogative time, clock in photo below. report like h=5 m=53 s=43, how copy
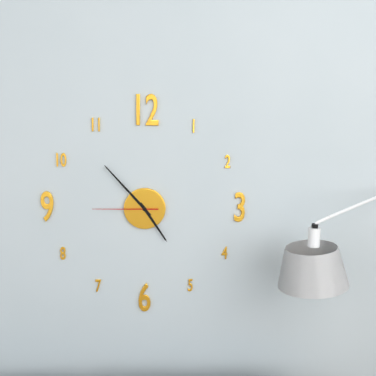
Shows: h=4 m=53 s=45
